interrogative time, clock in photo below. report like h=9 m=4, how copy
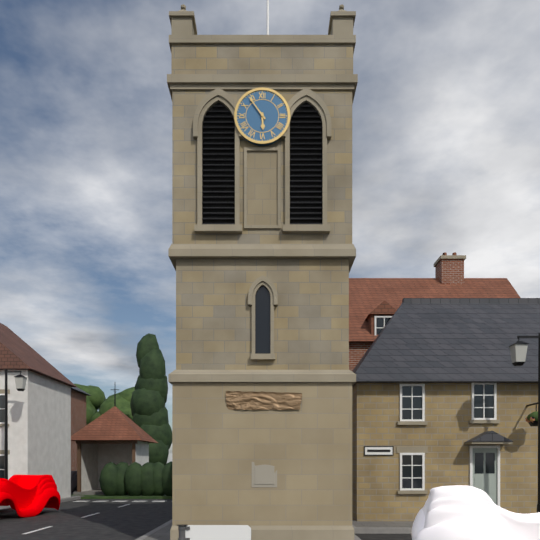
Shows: h=5 m=54
